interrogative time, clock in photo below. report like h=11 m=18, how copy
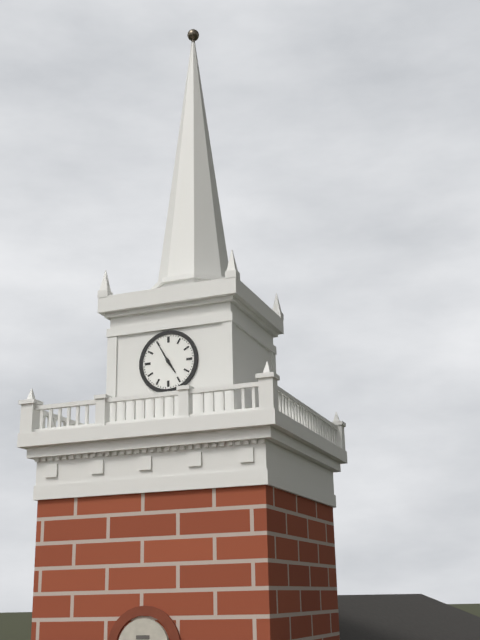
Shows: h=4 m=55
